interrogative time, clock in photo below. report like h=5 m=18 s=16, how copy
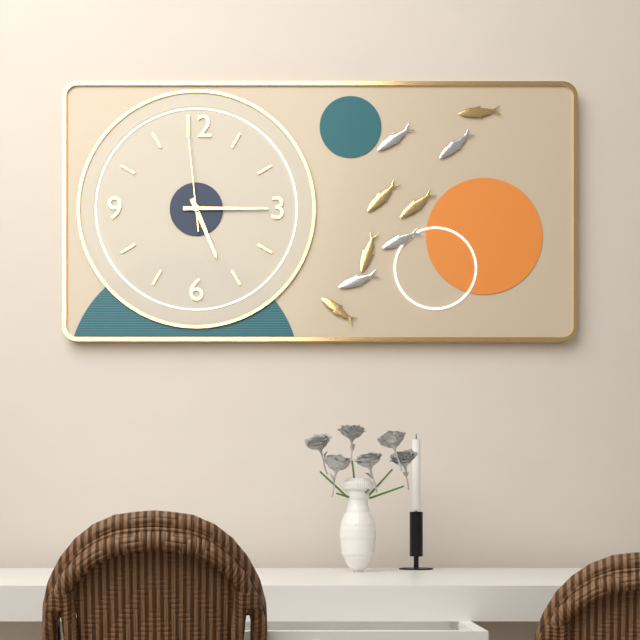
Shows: h=5 m=15 s=59
